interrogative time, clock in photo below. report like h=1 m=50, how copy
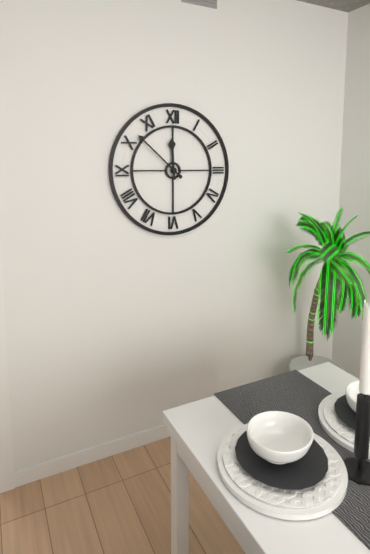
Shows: h=11 m=52
